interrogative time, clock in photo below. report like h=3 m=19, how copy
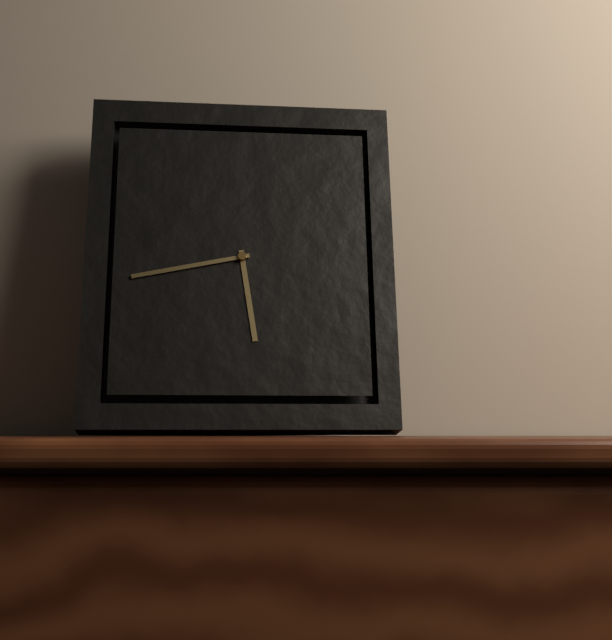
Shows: h=5 m=43
